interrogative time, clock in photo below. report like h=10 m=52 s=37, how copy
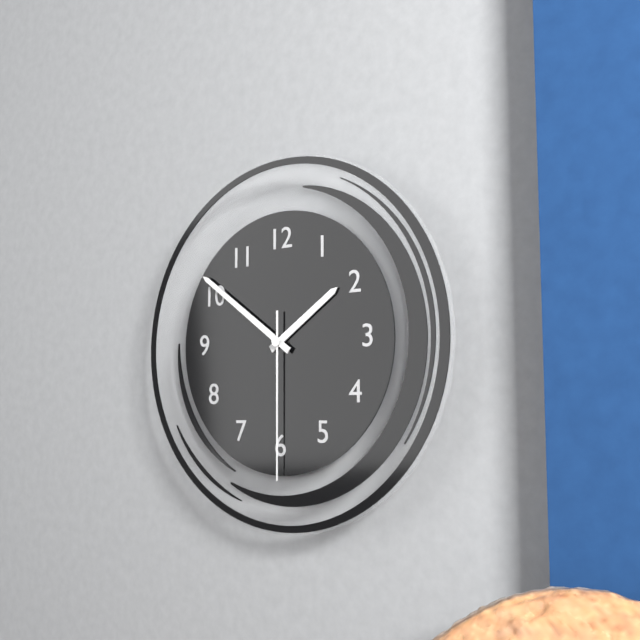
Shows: h=1 m=51 s=30
